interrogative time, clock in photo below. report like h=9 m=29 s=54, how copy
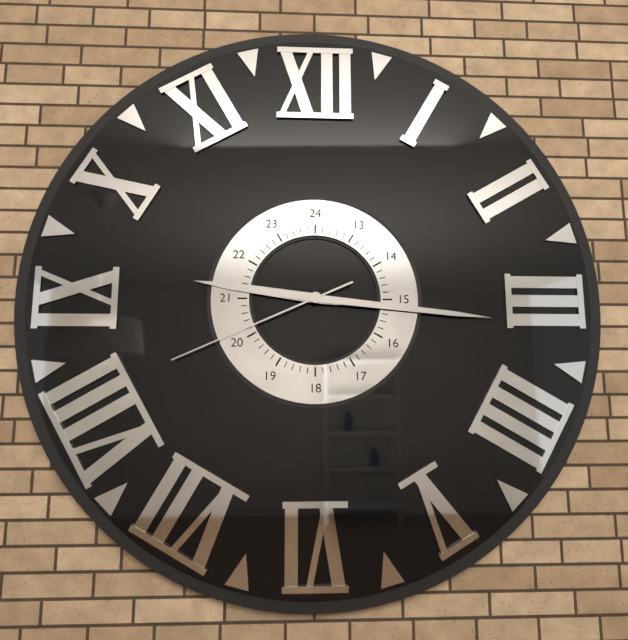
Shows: h=9 m=16 s=41
